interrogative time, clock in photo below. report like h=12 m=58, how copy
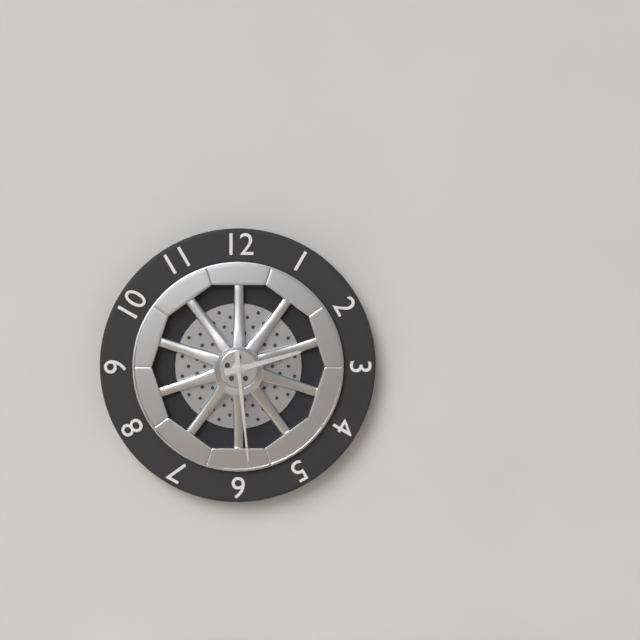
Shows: h=2 m=29
